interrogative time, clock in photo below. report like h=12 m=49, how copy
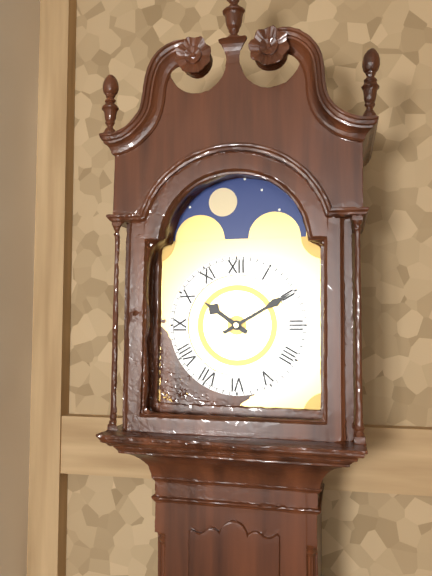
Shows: h=10 m=10
